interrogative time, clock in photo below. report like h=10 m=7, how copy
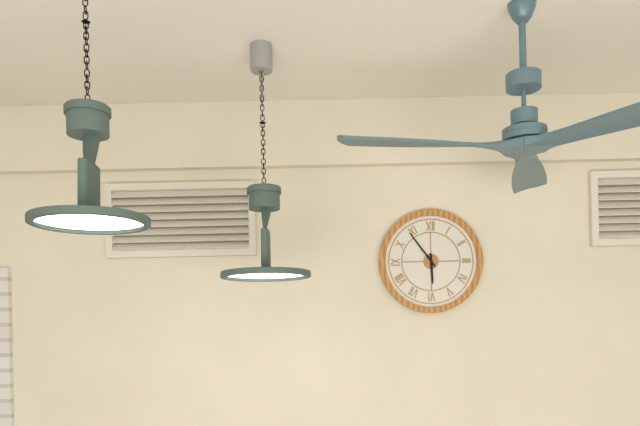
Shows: h=5 m=54
